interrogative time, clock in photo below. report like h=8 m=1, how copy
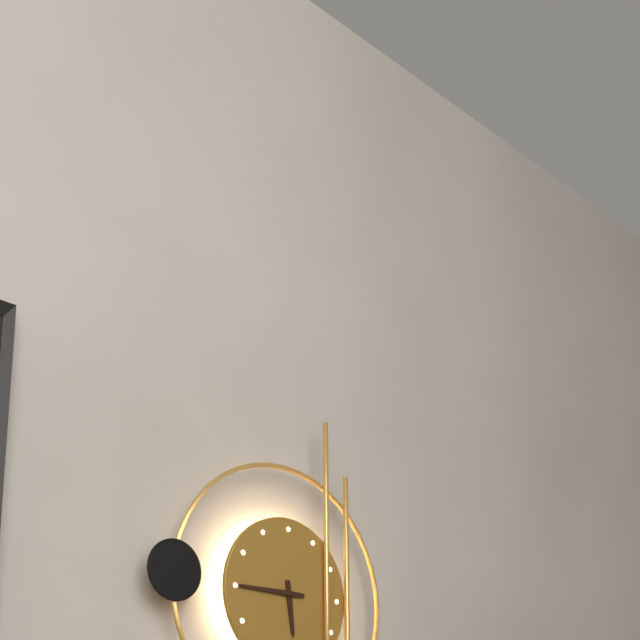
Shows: h=5 m=45
